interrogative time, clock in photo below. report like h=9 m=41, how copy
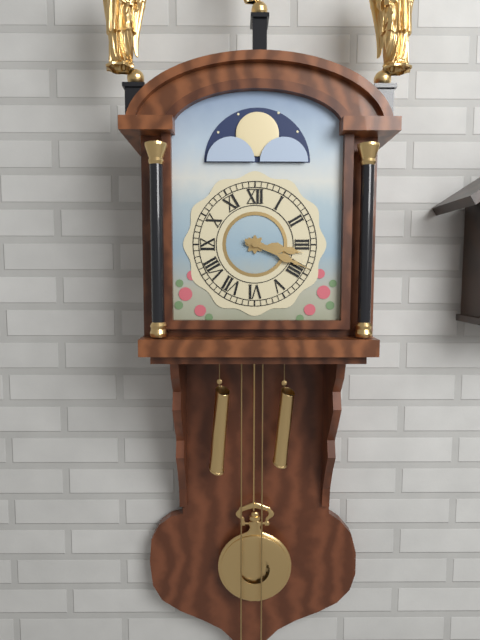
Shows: h=3 m=19
